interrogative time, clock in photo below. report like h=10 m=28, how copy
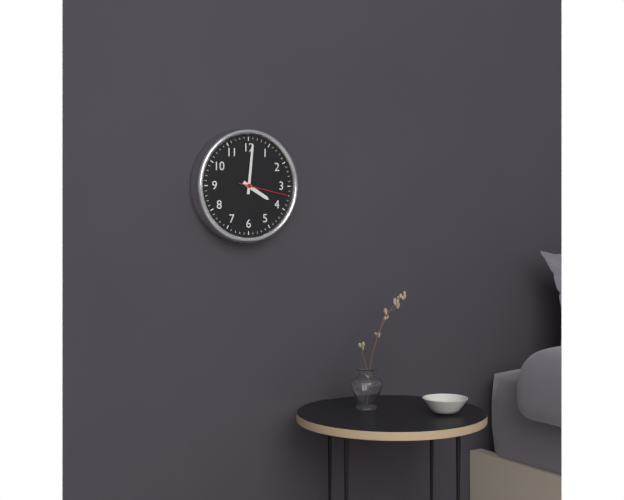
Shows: h=4 m=1
